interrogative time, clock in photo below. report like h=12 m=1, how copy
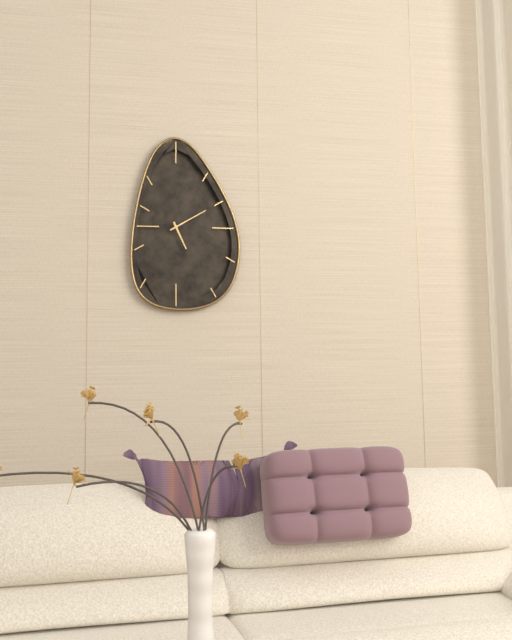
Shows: h=5 m=10
